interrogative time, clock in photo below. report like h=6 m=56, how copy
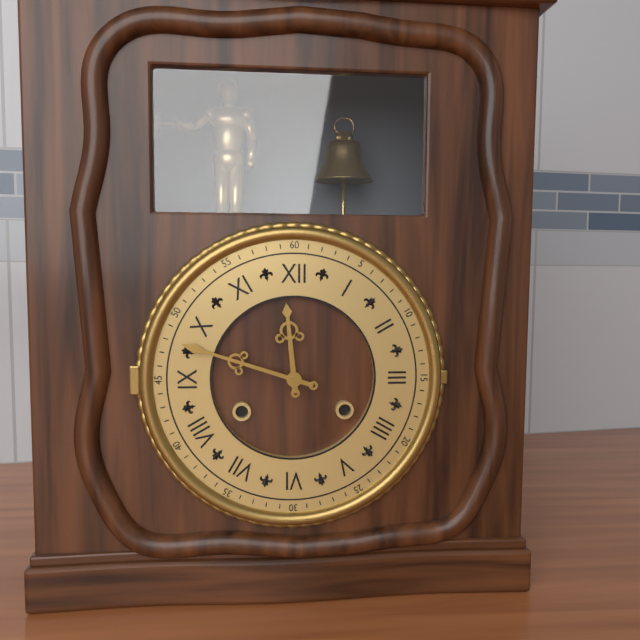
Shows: h=11 m=48
